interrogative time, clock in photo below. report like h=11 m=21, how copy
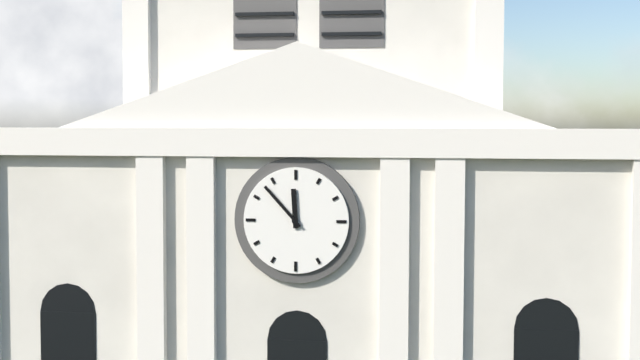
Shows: h=11 m=53
